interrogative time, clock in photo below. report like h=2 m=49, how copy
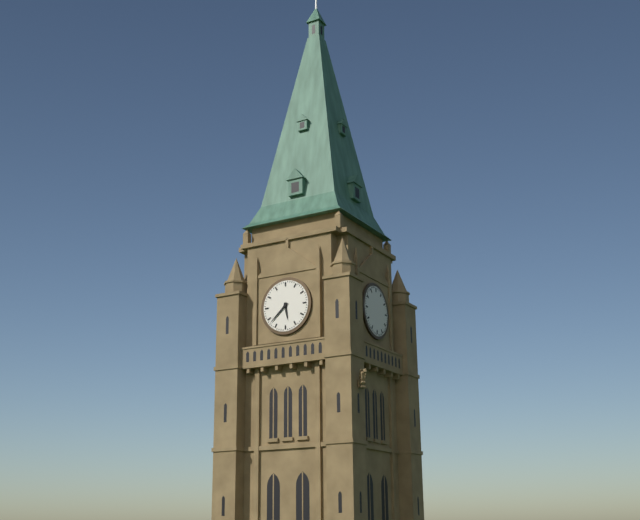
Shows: h=5 m=38
